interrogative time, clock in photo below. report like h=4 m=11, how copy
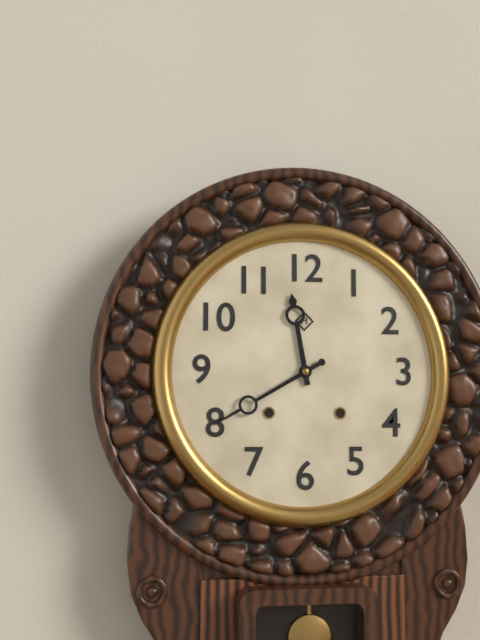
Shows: h=11 m=40
